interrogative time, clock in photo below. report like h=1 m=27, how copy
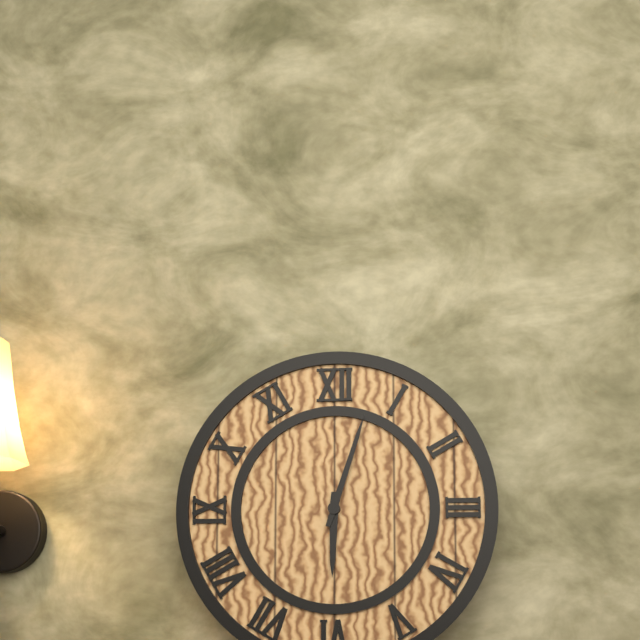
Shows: h=6 m=3
